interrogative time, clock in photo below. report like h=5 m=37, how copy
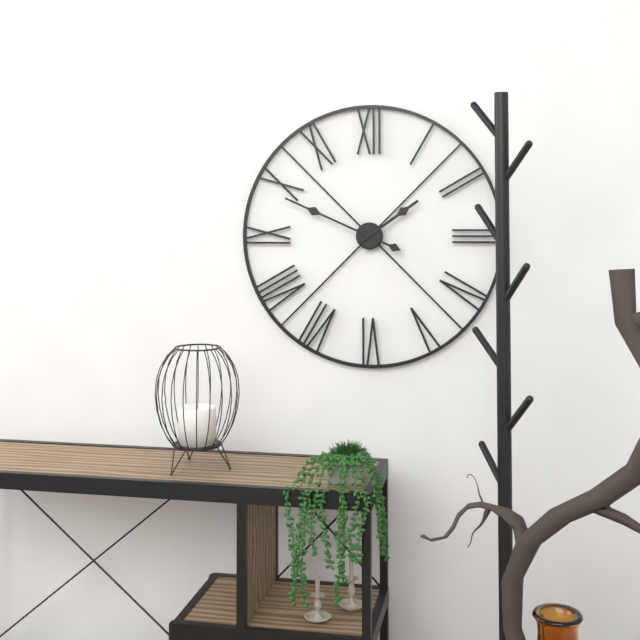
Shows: h=1 m=49
